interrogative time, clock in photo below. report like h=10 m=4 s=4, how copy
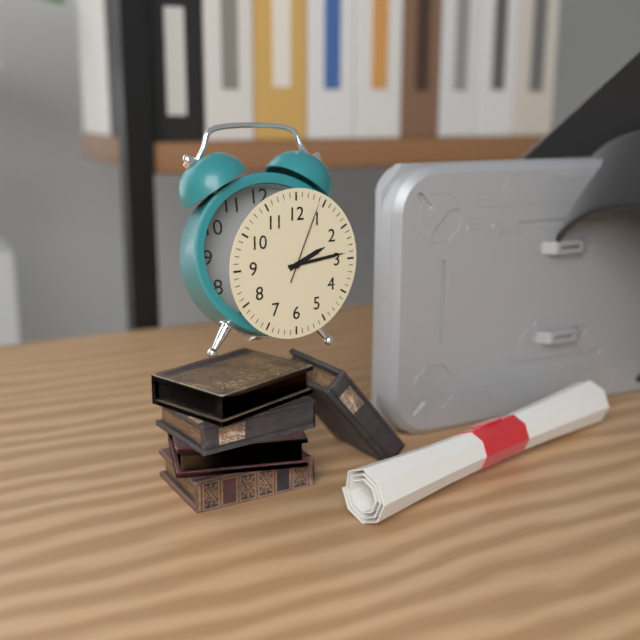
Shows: h=2 m=14 s=4
